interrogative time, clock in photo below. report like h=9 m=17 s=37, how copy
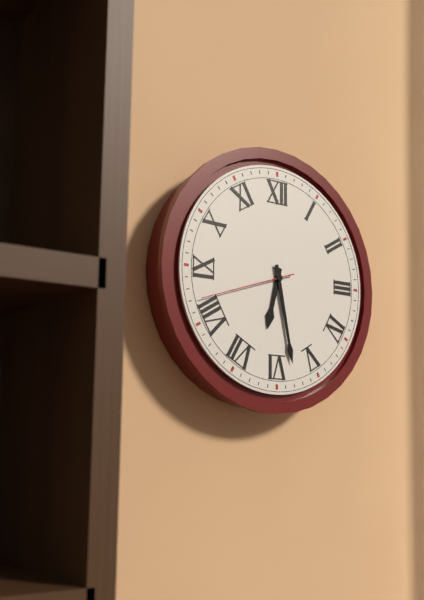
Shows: h=6 m=28 s=42
